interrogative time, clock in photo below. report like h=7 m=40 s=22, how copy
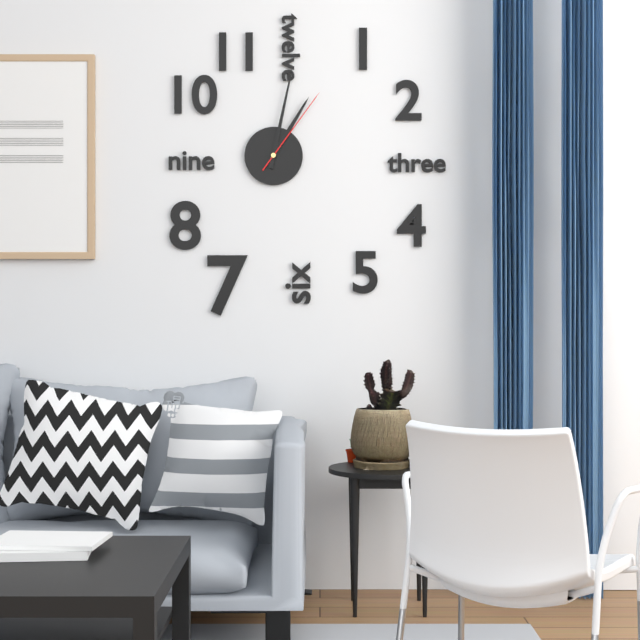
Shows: h=1 m=2 s=6
